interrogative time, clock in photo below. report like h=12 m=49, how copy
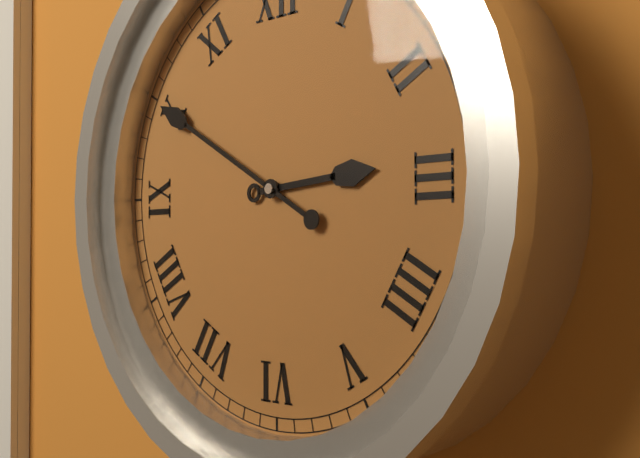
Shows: h=2 m=50
